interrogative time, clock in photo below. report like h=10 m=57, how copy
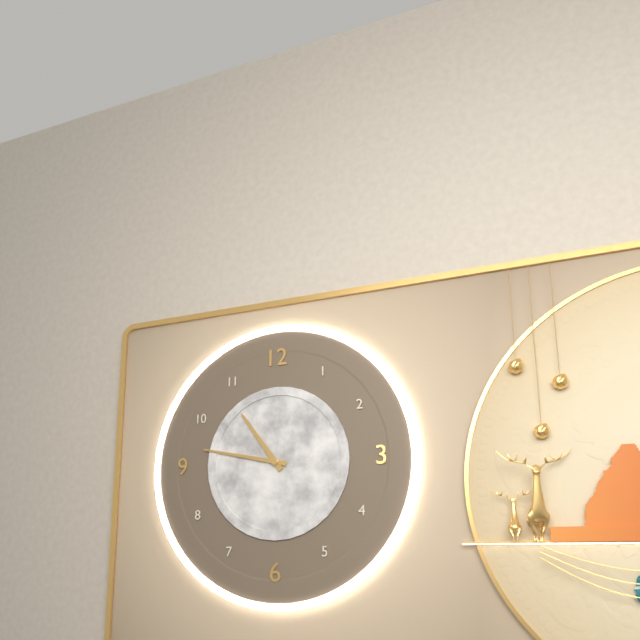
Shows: h=10 m=47
